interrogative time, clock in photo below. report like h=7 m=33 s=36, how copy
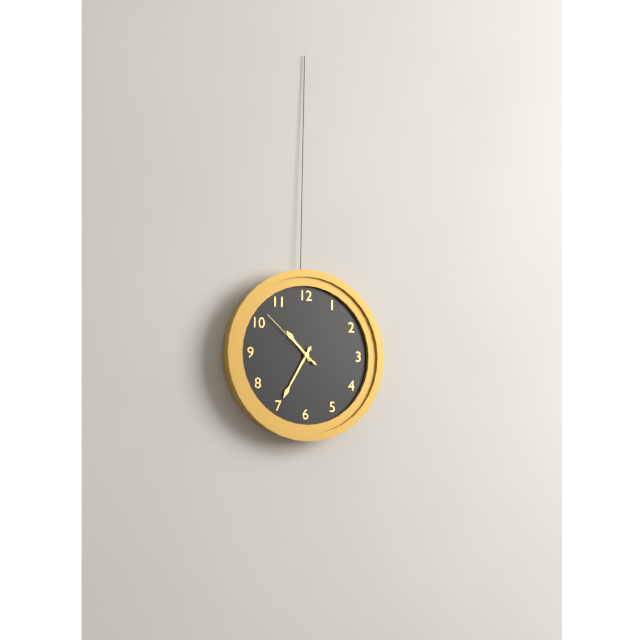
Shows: h=10 m=35 s=52
